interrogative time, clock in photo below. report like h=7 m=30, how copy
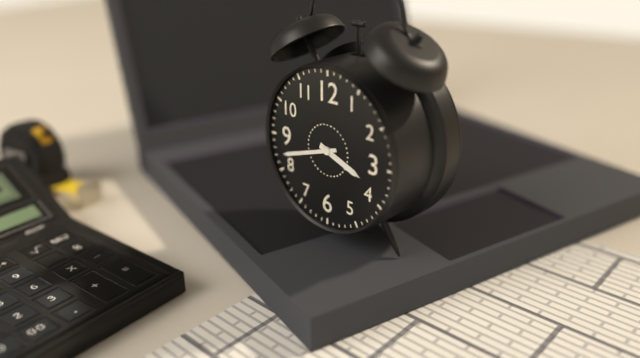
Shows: h=3 m=42
